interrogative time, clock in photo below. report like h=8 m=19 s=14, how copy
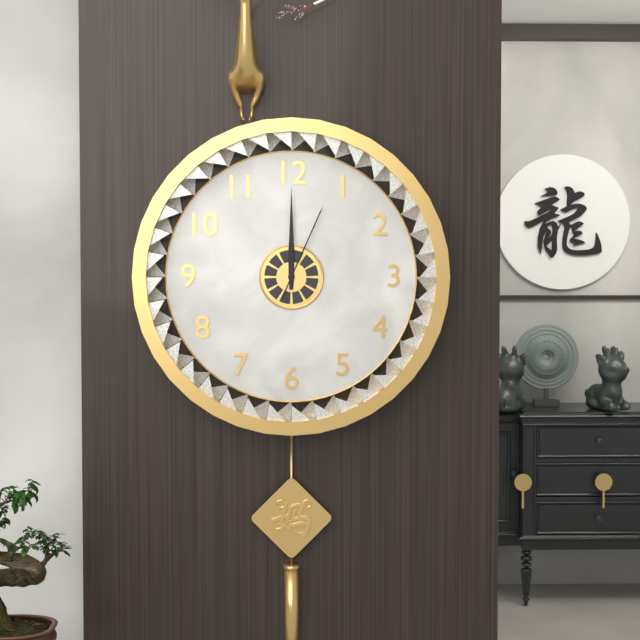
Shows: h=12 m=0 s=4
